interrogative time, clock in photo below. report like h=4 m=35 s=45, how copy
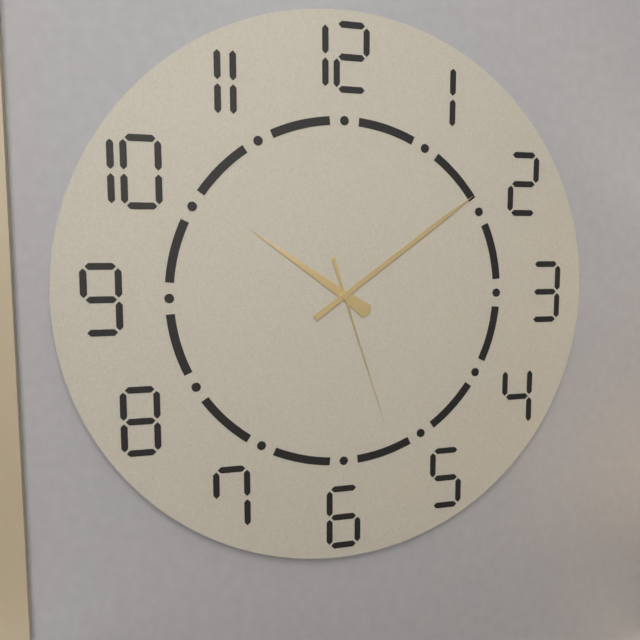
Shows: h=10 m=9 s=27
